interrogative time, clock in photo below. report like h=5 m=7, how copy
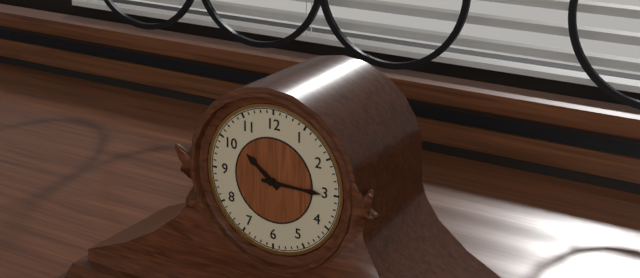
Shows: h=10 m=15
